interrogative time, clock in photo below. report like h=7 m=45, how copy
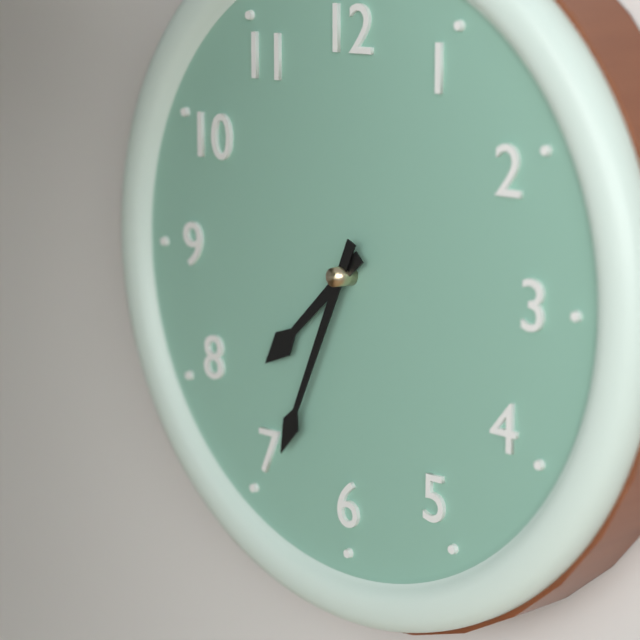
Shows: h=7 m=34
